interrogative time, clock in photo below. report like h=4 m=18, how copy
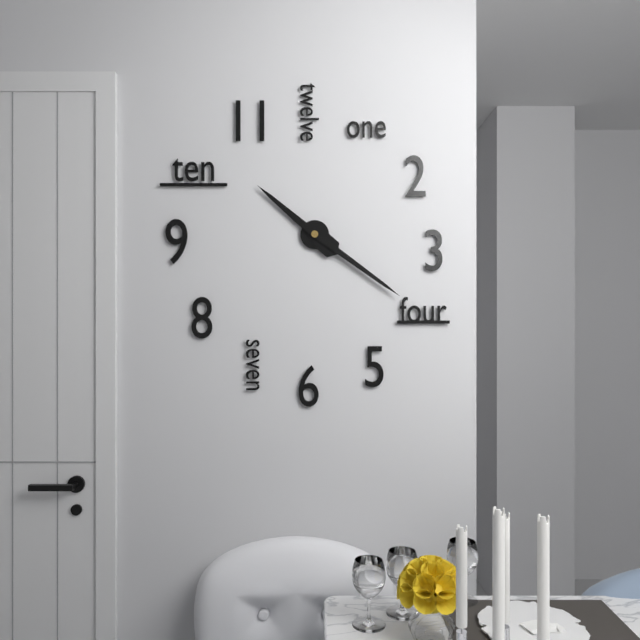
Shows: h=10 m=21
